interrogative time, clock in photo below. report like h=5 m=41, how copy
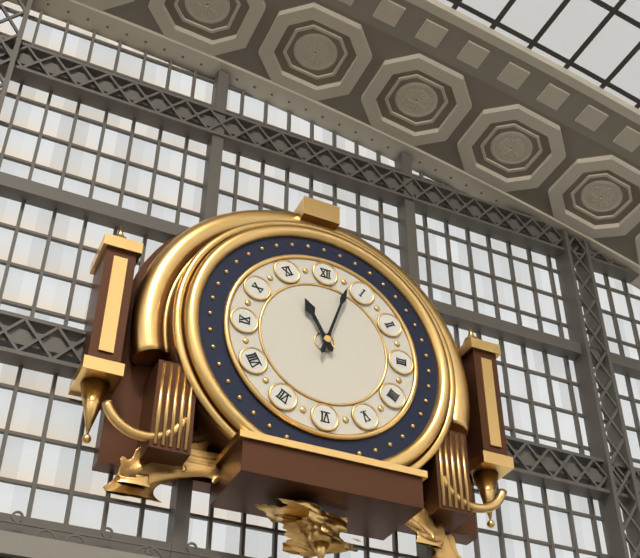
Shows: h=11 m=3
